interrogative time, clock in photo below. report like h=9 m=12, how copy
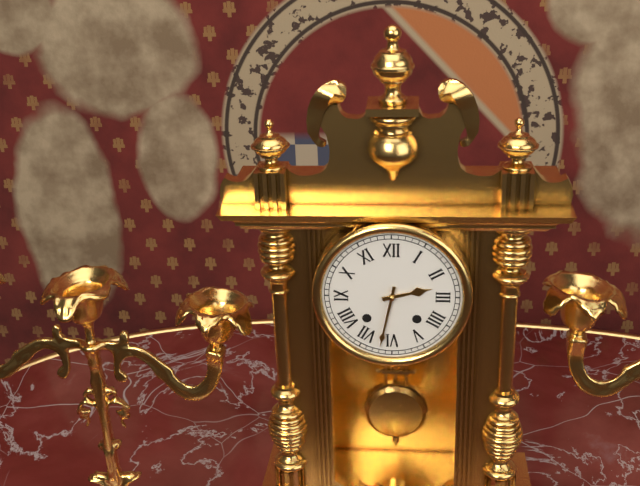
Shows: h=2 m=32
